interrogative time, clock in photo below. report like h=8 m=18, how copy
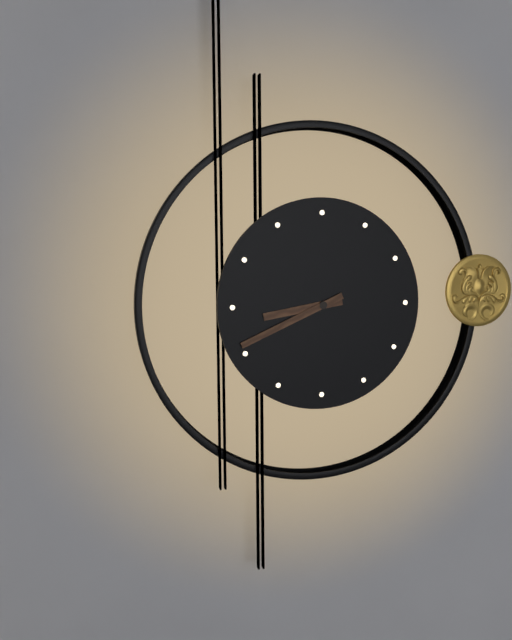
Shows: h=8 m=41
